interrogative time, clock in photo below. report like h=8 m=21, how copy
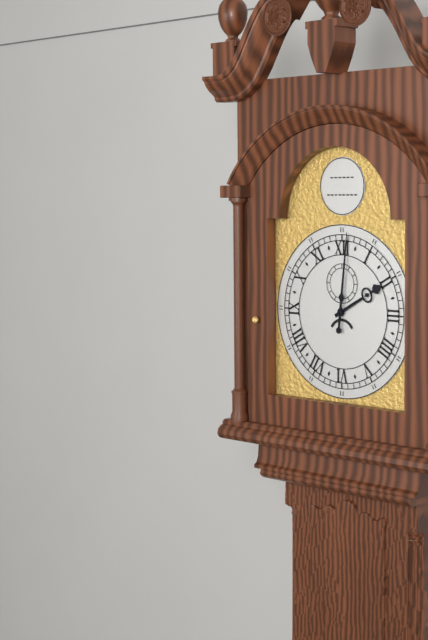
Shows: h=2 m=1
